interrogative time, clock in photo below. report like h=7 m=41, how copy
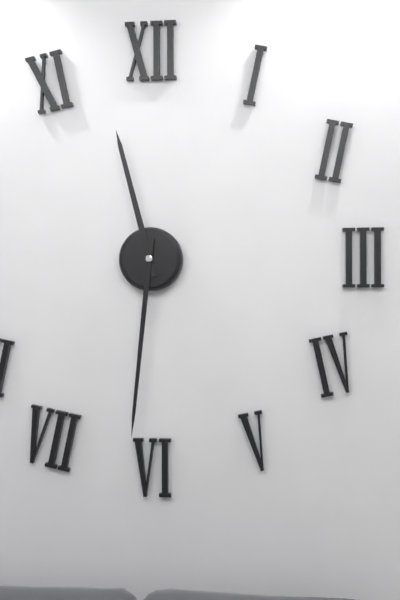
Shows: h=11 m=31
